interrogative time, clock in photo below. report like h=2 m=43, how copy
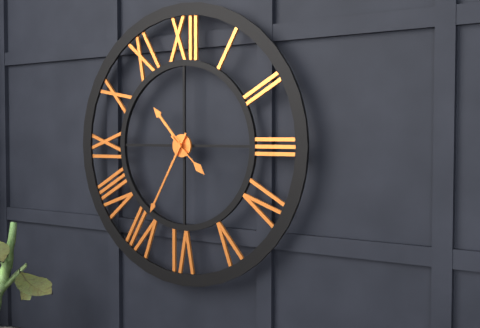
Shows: h=10 m=35
